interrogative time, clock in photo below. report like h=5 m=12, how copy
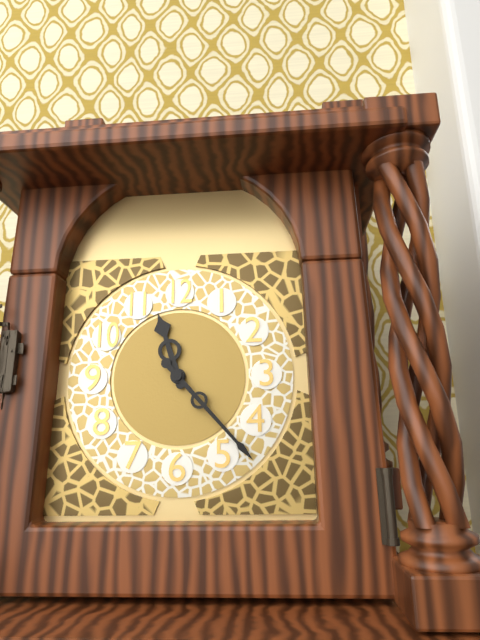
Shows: h=11 m=23
